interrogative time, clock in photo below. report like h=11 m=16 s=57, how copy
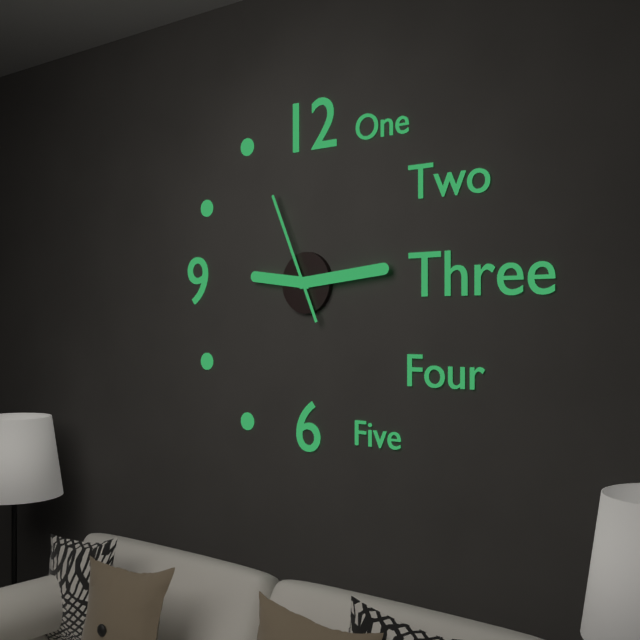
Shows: h=9 m=14 s=56
